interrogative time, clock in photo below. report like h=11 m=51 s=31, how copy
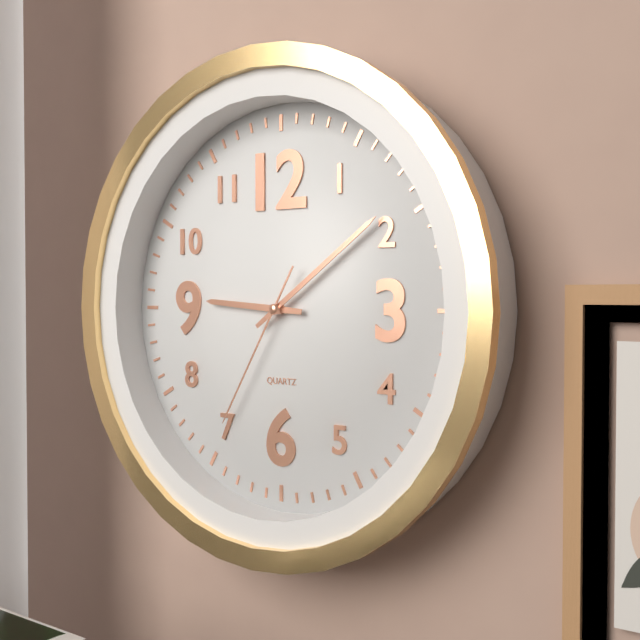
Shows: h=9 m=9 s=35
